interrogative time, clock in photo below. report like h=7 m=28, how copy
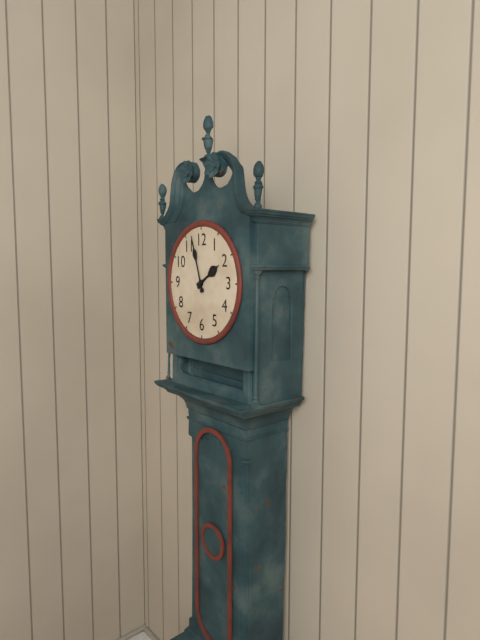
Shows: h=1 m=57
